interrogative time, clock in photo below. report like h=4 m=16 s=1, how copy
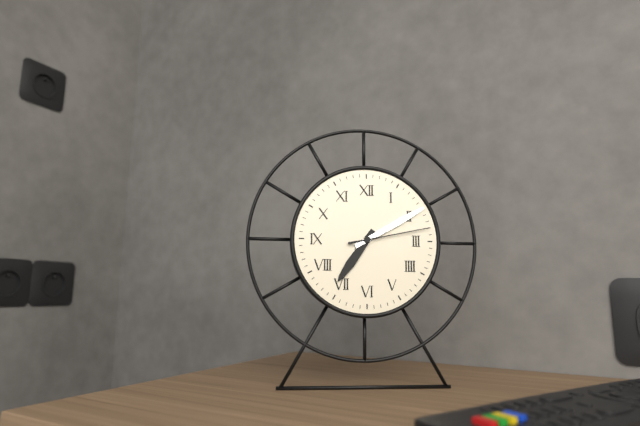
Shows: h=7 m=10 s=13
